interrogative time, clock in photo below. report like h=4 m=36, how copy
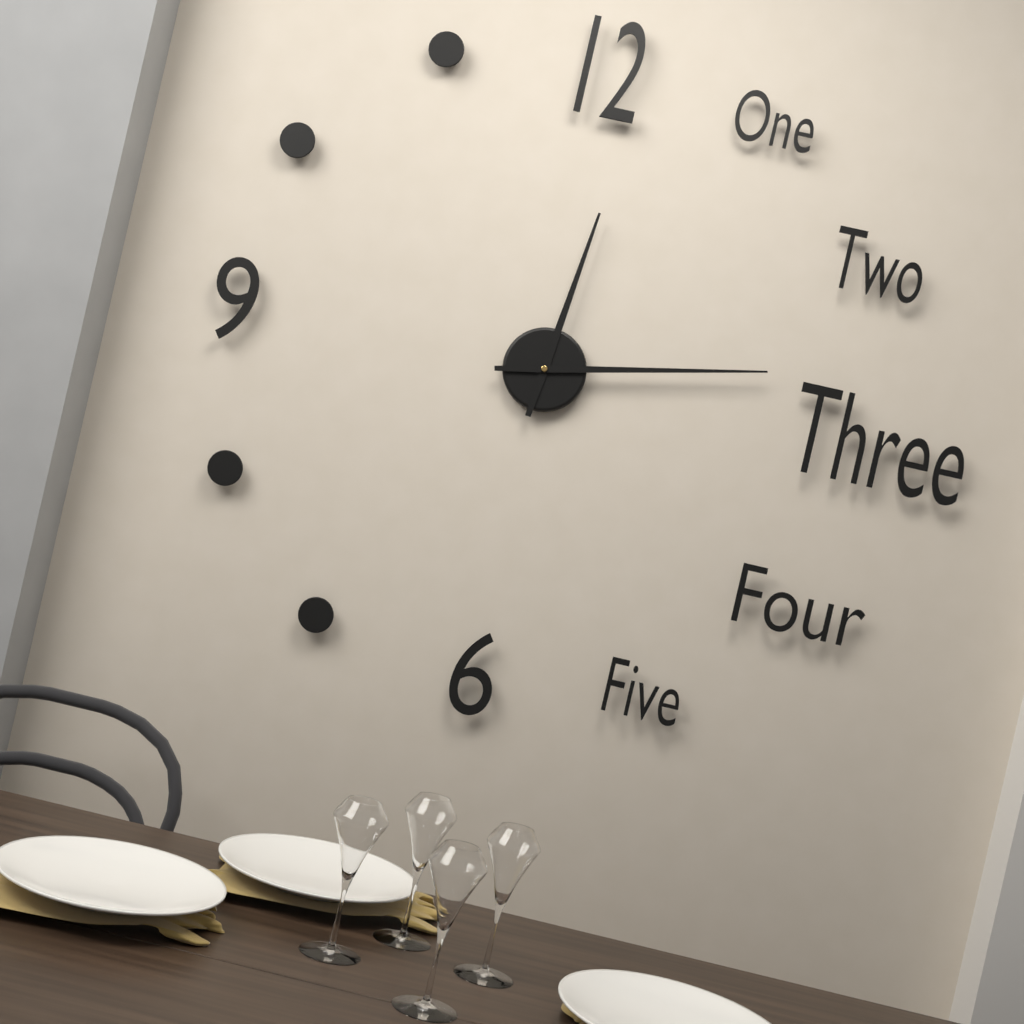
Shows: h=12 m=13
